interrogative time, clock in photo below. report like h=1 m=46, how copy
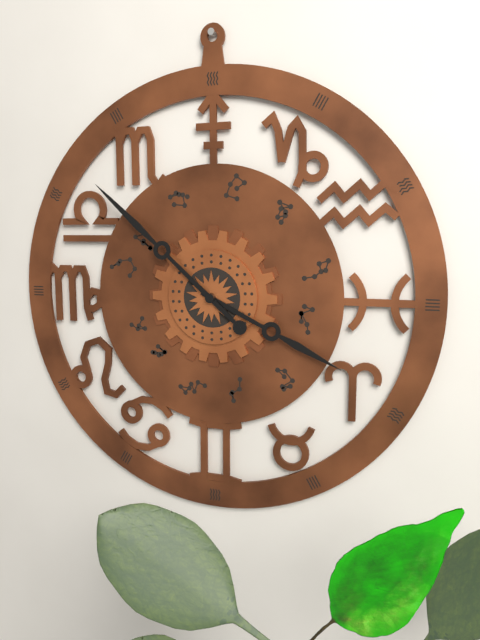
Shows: h=3 m=52
